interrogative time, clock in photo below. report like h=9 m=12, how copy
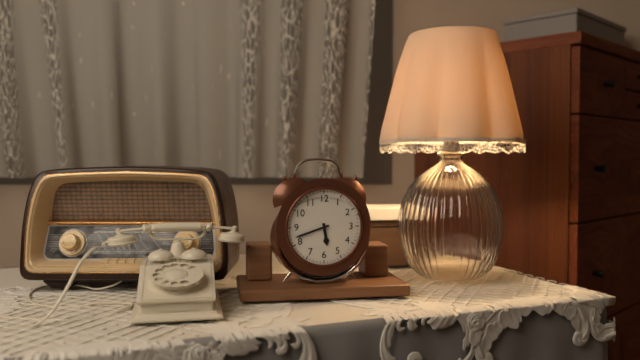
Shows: h=5 m=42
